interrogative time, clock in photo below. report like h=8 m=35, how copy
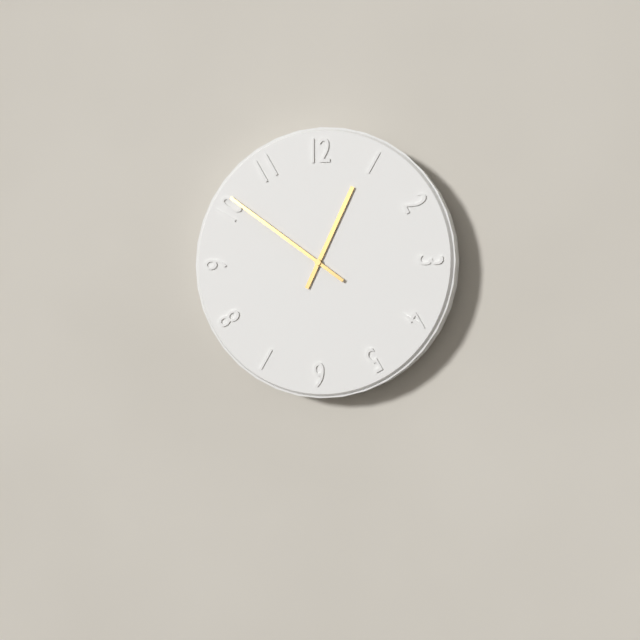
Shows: h=12 m=51
